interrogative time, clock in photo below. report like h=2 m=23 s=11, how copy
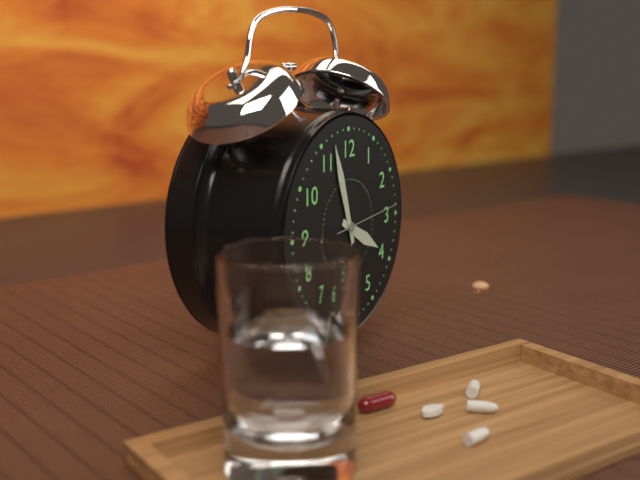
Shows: h=3 m=57 s=14
